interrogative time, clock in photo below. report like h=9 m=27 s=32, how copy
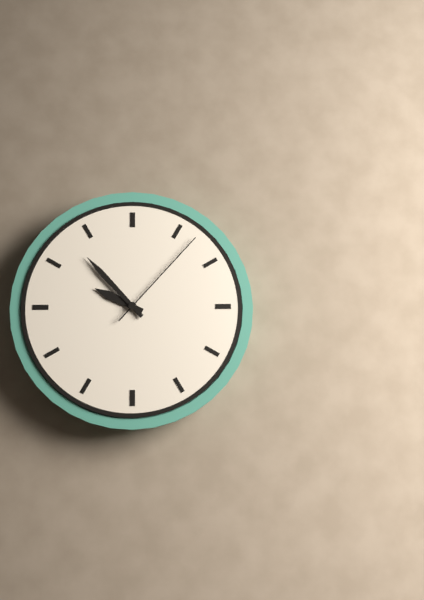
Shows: h=9 m=53 s=7
